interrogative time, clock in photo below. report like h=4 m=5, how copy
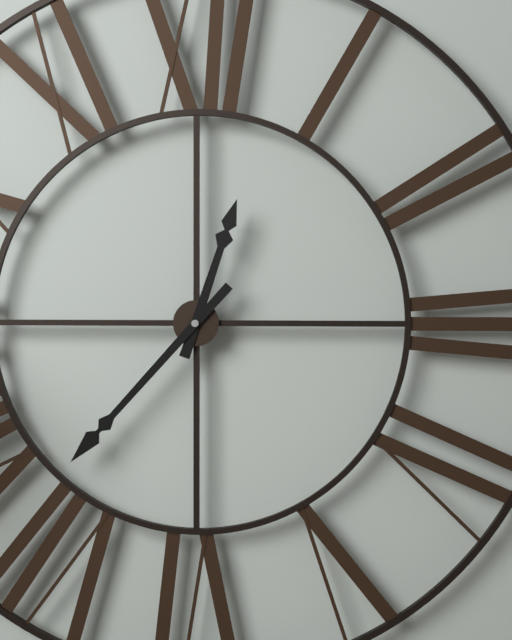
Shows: h=12 m=37
